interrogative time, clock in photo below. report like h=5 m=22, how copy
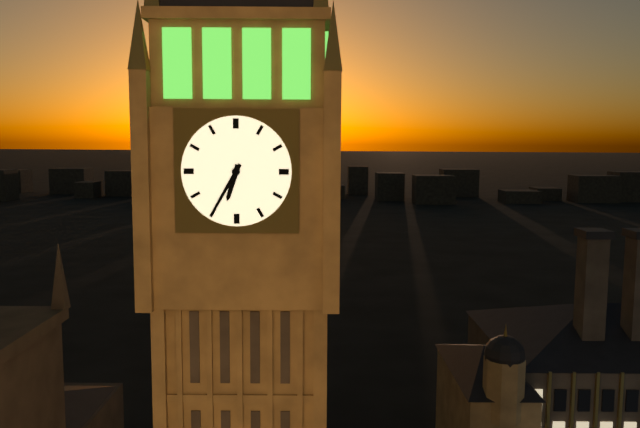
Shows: h=6 m=35
